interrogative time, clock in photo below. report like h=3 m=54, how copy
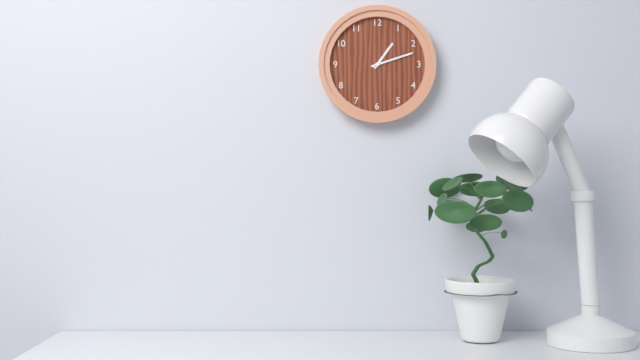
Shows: h=1 m=12
